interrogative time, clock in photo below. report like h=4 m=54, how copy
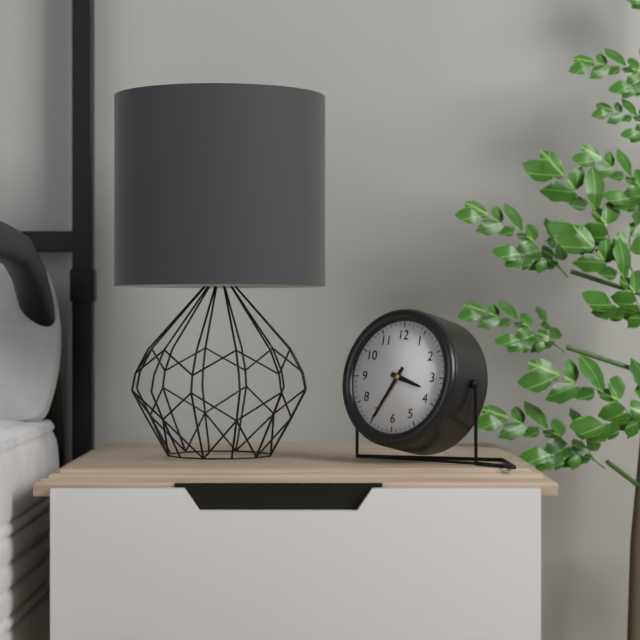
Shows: h=3 m=35
